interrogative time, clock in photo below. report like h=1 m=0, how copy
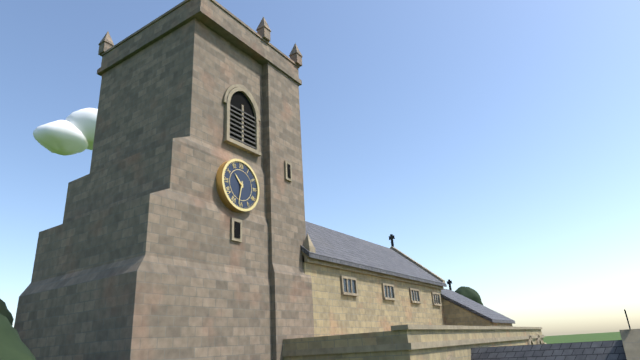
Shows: h=10 m=32
